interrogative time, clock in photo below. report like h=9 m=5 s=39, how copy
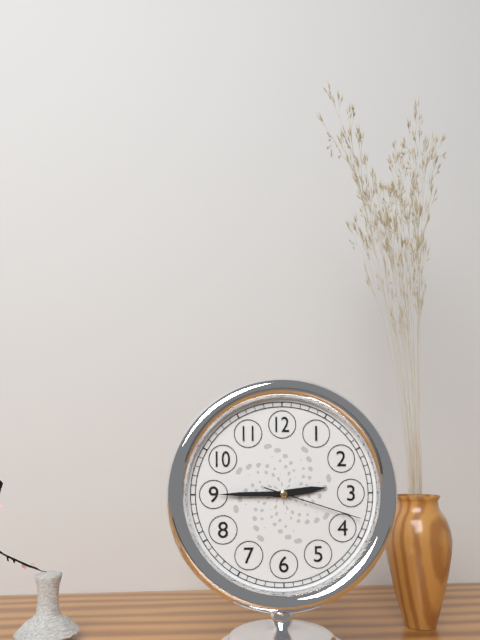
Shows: h=2 m=45 s=18
